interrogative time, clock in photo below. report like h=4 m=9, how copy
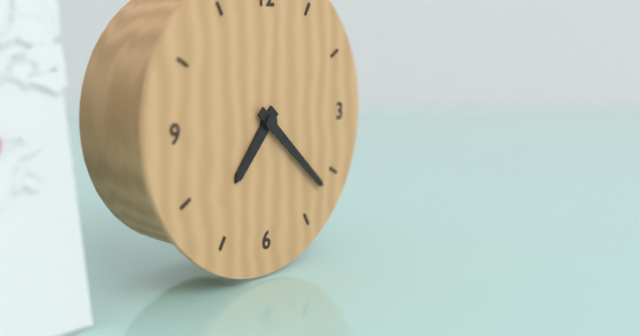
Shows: h=7 m=22
